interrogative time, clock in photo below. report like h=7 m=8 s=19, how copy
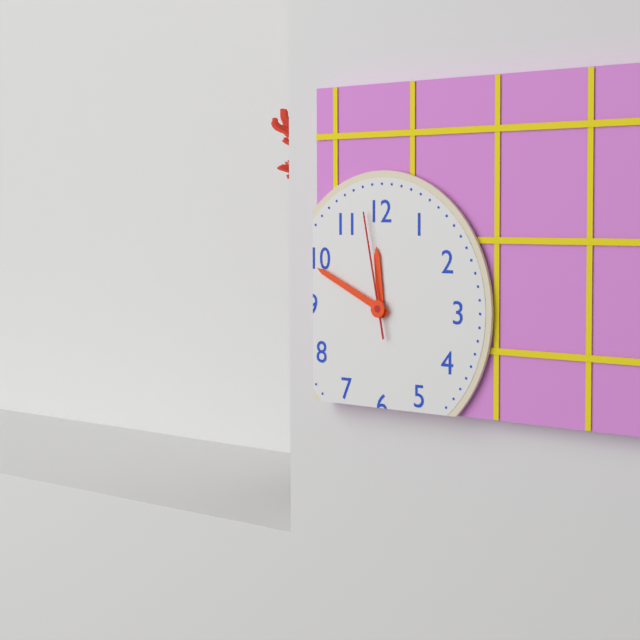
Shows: h=11 m=49 s=58
